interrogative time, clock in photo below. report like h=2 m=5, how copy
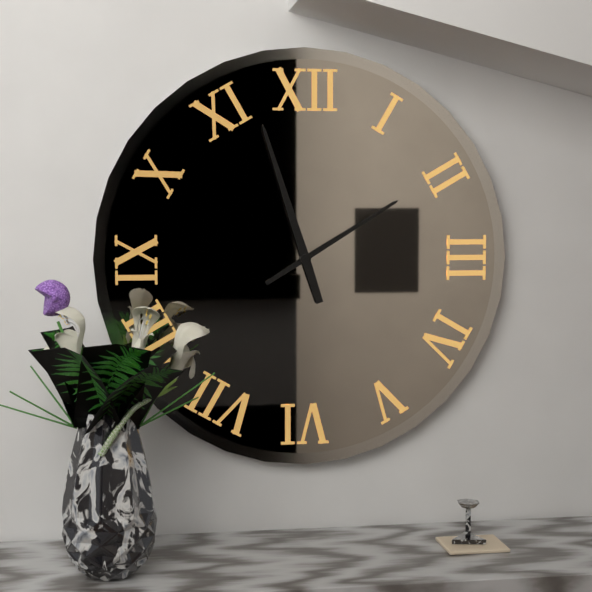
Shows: h=1 m=57
